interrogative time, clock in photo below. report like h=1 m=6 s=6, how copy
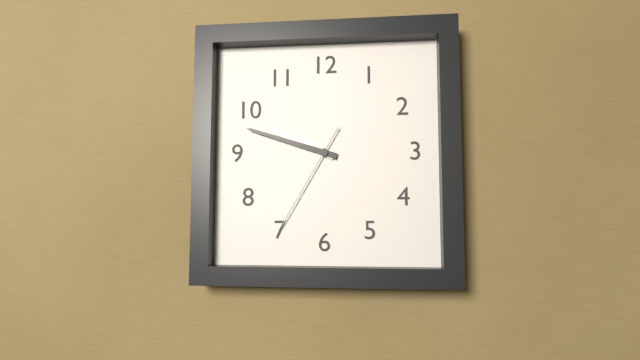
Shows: h=9 m=48 s=35
